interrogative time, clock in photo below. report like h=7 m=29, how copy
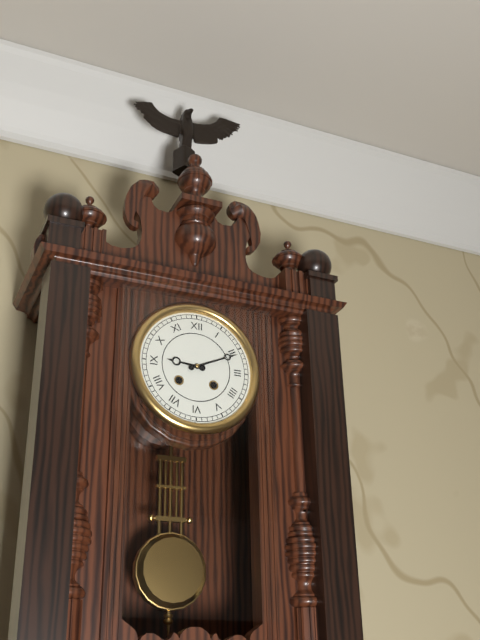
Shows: h=9 m=11
